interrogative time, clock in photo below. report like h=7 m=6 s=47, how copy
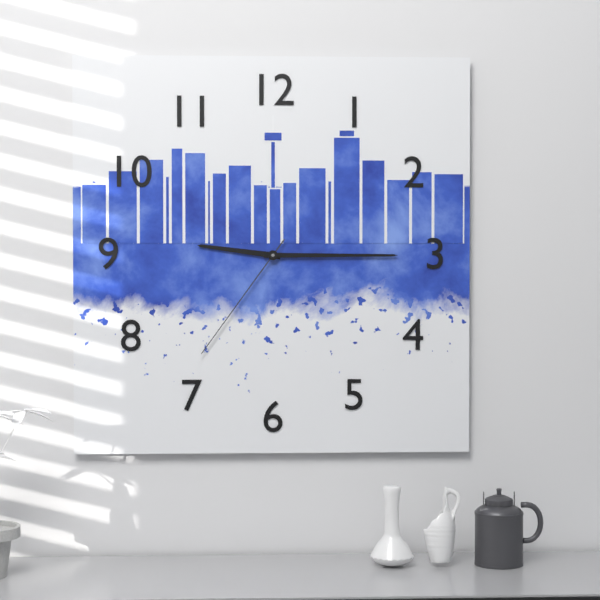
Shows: h=9 m=15 s=36
